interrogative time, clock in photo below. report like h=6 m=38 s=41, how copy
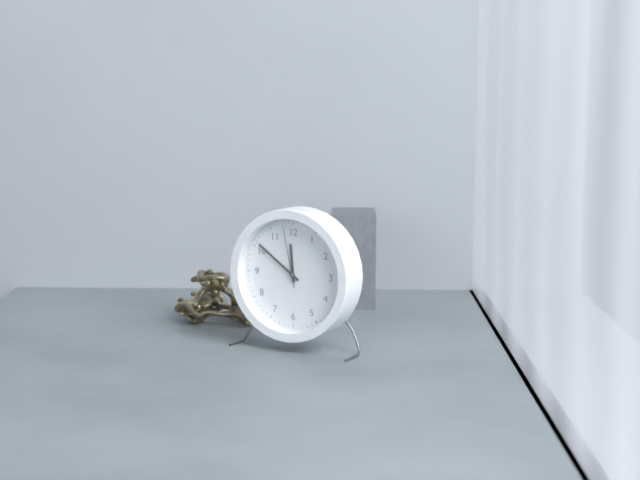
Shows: h=11 m=51 s=58
